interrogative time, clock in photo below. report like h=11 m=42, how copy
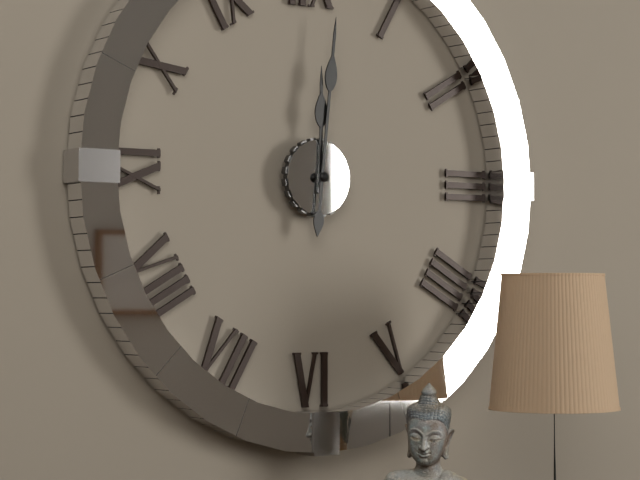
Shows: h=12 m=1
